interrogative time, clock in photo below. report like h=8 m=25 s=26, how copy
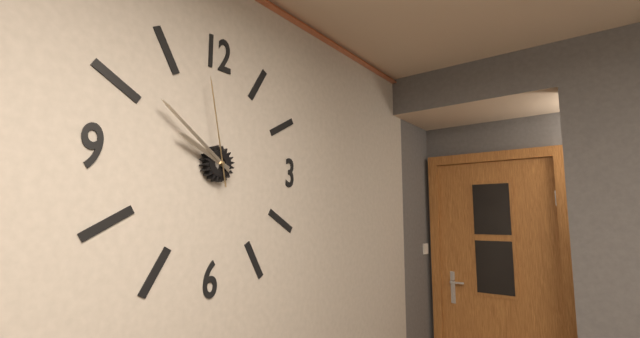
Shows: h=9 m=51 s=58
